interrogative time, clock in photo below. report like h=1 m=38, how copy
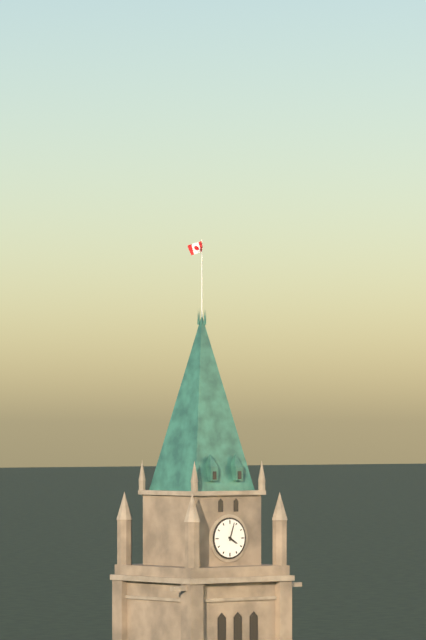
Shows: h=4 m=3
